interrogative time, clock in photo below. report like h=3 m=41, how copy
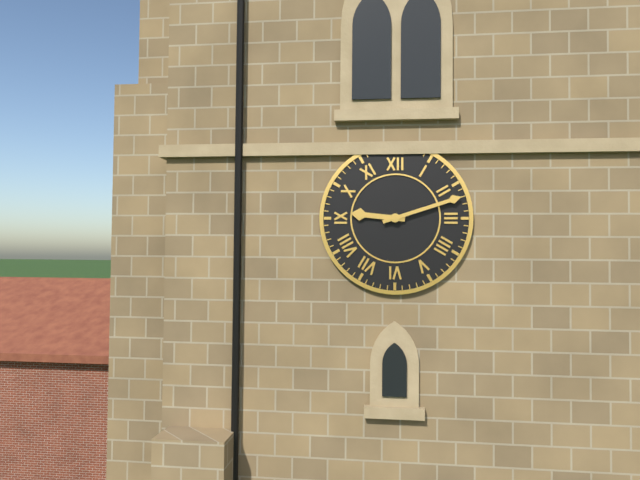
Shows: h=9 m=12
